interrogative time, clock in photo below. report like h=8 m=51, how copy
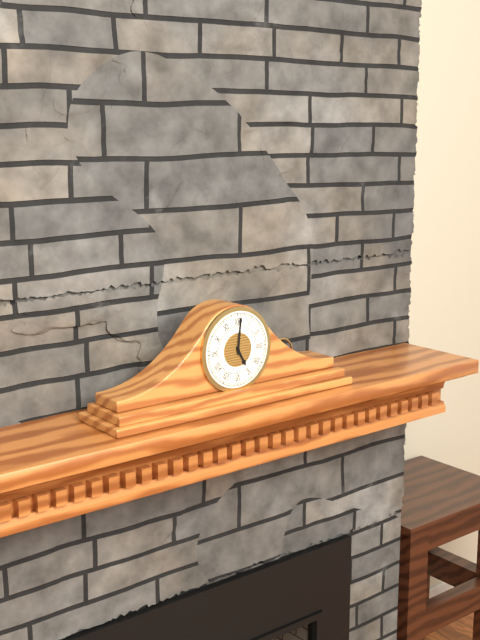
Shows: h=5 m=1
